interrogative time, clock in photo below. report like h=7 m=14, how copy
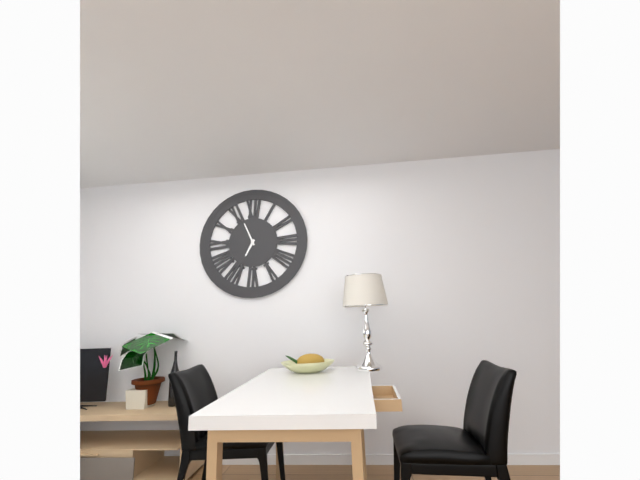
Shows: h=6 m=56
